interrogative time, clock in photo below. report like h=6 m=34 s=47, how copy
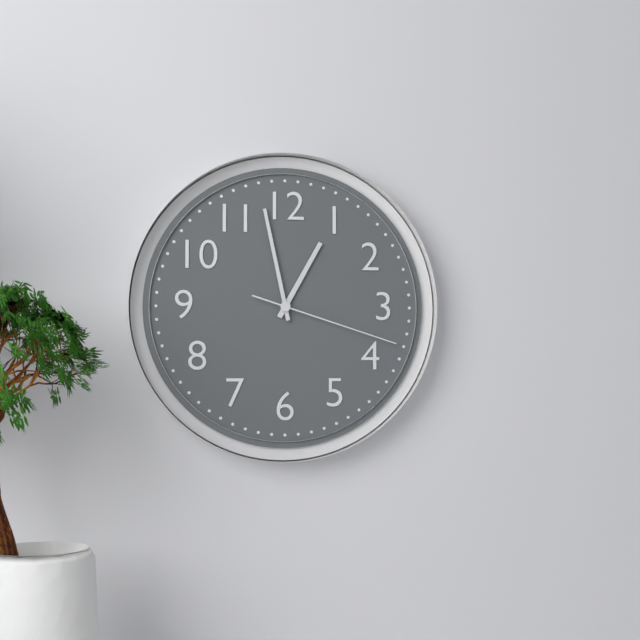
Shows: h=12 m=58 s=18
